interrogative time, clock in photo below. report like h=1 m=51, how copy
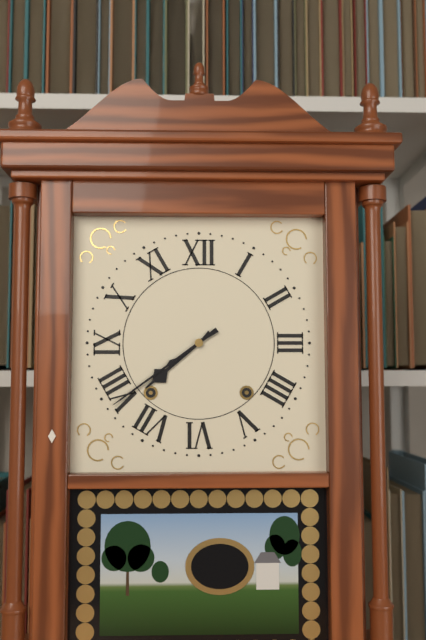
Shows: h=7 m=39
